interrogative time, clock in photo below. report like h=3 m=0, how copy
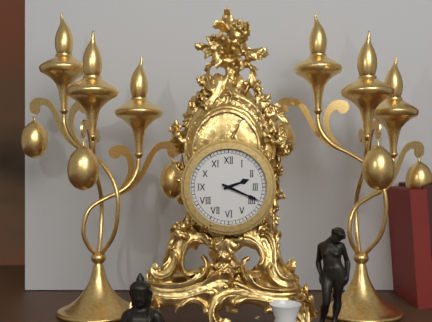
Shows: h=2 m=19
